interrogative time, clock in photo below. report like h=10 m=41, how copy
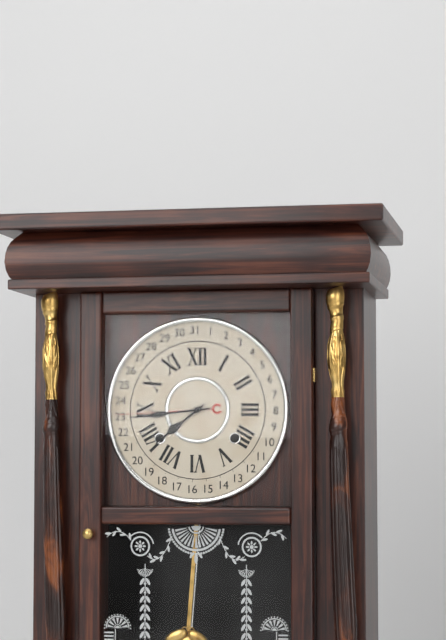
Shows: h=7 m=44
